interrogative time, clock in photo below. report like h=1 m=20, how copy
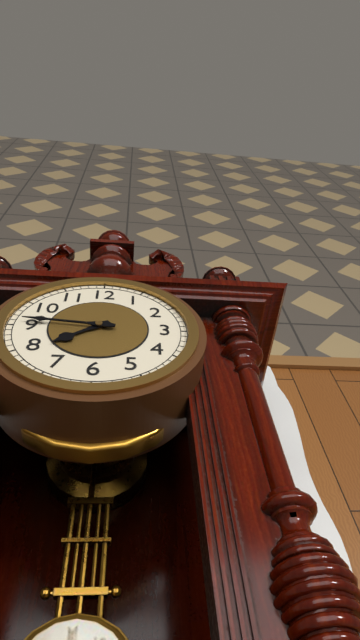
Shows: h=7 m=46
